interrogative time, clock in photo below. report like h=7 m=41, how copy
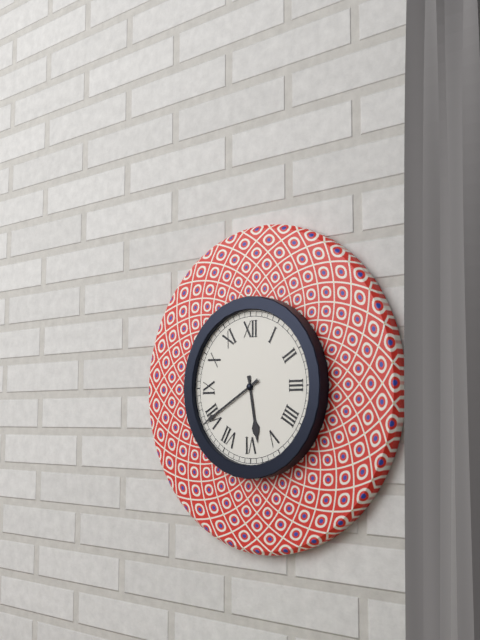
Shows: h=5 m=40
